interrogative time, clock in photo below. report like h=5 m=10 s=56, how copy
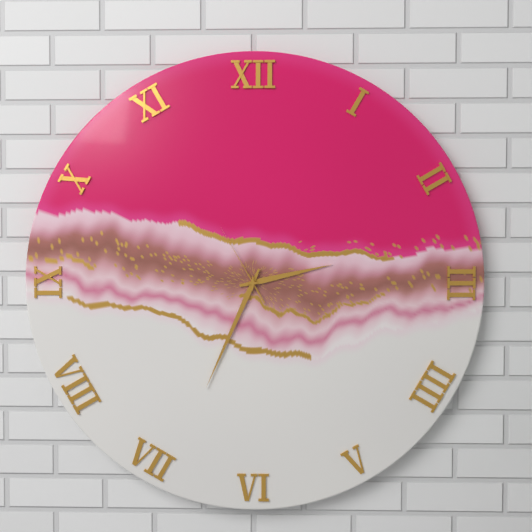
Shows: h=2 m=34 s=55
